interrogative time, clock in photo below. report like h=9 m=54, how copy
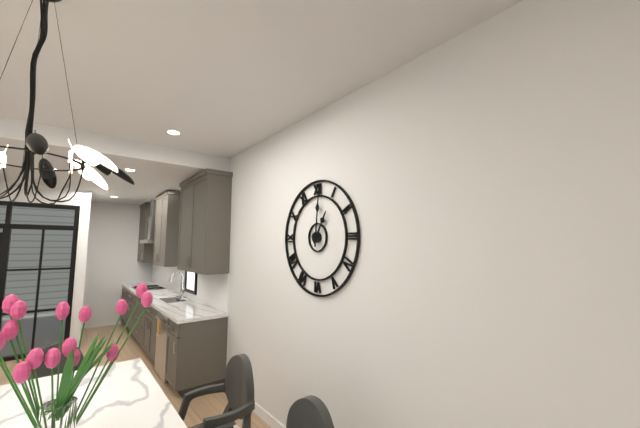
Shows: h=1 m=1
